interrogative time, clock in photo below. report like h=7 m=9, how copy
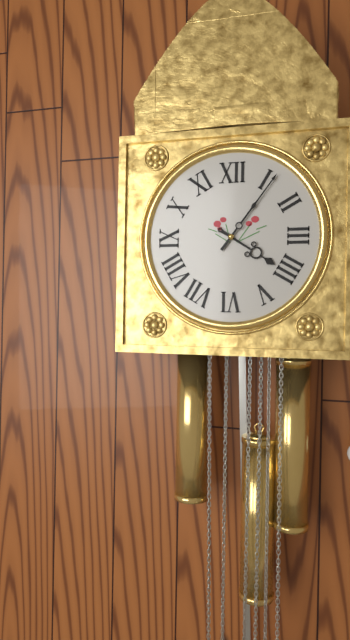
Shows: h=4 m=6
